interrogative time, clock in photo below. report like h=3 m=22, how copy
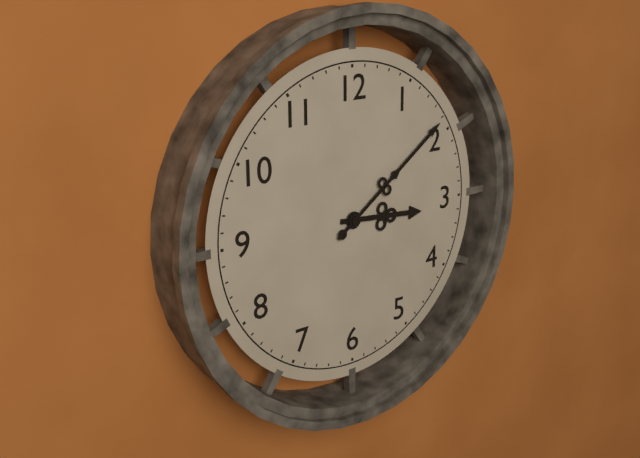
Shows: h=3 m=9
